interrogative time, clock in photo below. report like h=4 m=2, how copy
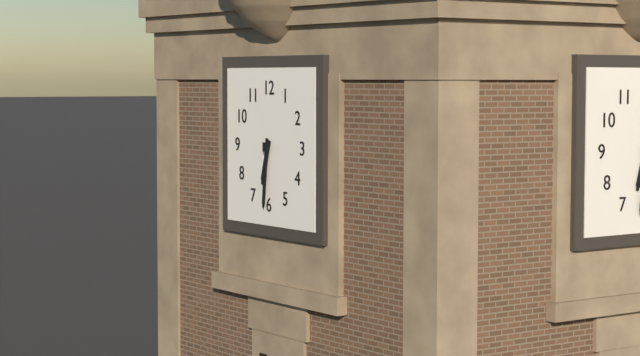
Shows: h=6 m=31
